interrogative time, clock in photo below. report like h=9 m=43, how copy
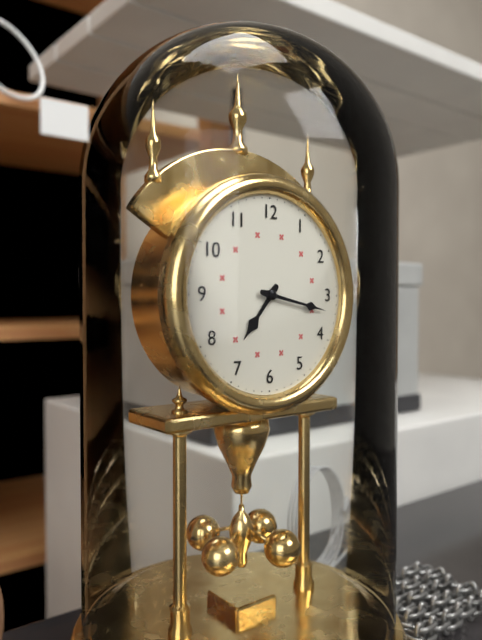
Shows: h=7 m=17
